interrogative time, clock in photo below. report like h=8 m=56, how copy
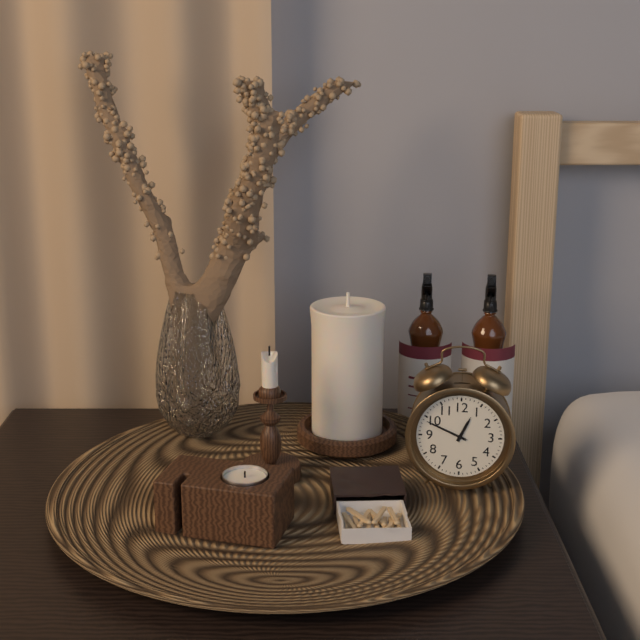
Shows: h=12 m=49
